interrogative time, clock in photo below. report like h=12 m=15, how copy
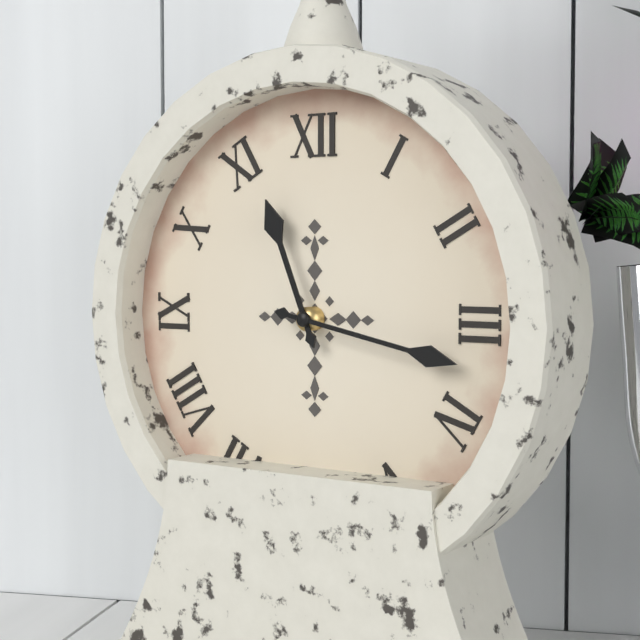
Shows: h=11 m=17
